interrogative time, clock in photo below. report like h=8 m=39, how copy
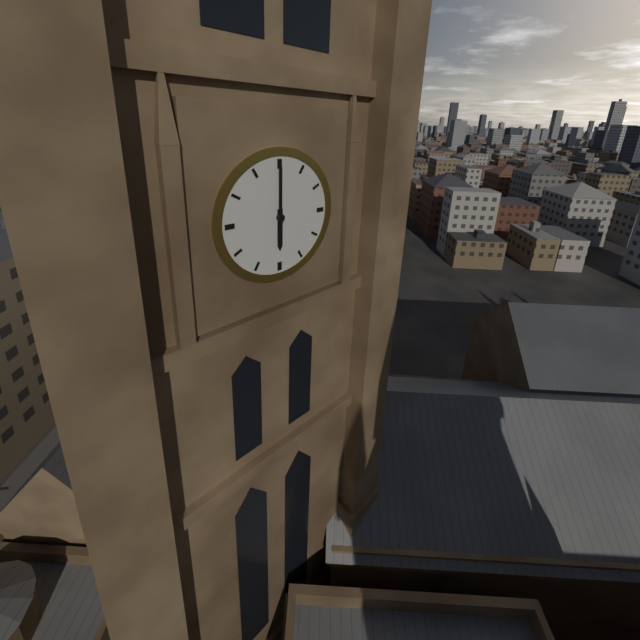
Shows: h=6 m=0
